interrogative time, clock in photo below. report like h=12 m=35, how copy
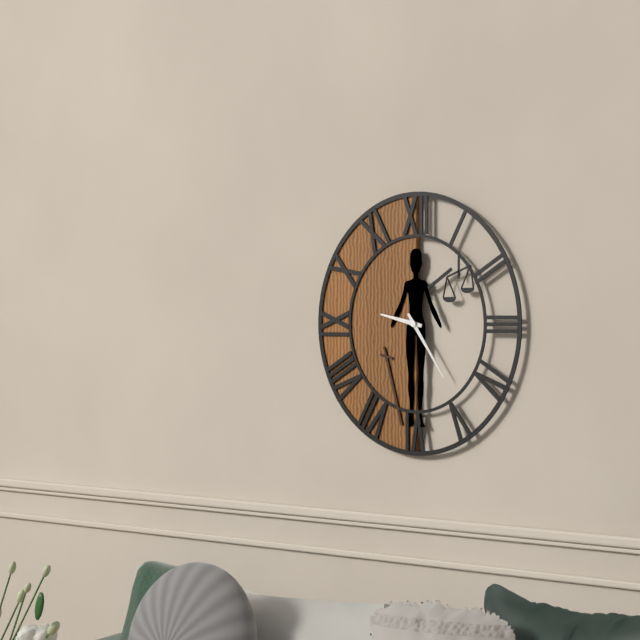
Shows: h=9 m=24
